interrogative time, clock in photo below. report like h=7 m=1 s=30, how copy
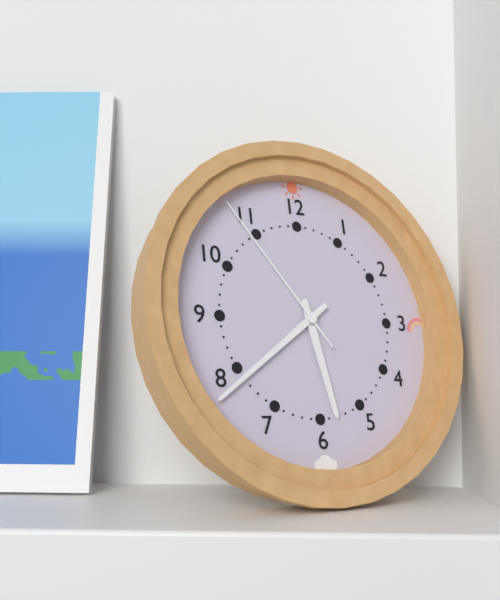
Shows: h=5 m=39 s=54
